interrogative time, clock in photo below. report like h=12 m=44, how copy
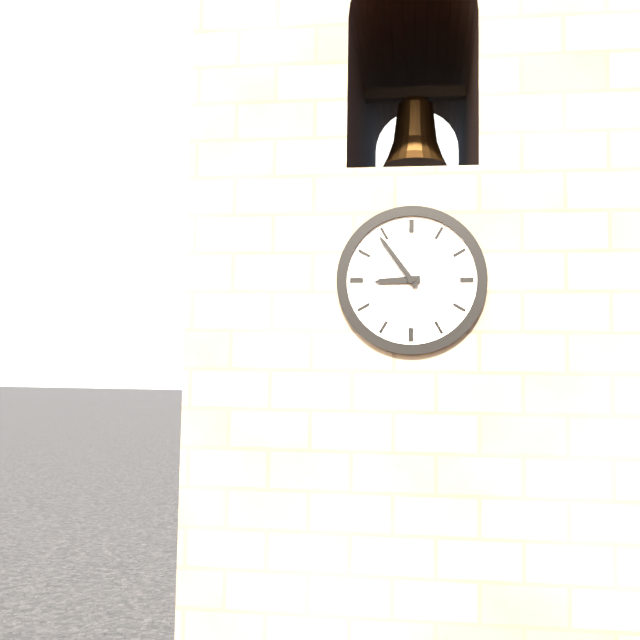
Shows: h=8 m=54
